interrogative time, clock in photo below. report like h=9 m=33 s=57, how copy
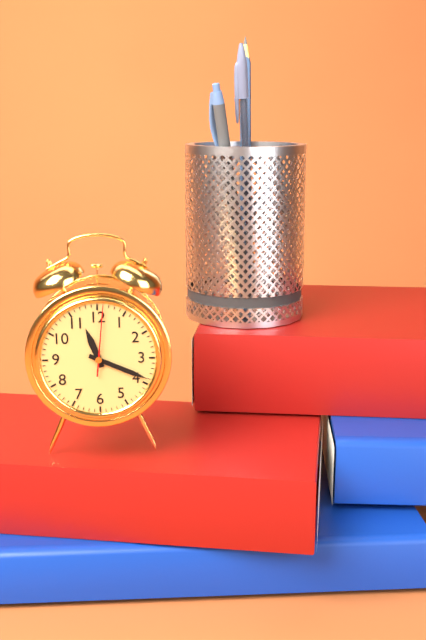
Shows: h=11 m=19 s=1
